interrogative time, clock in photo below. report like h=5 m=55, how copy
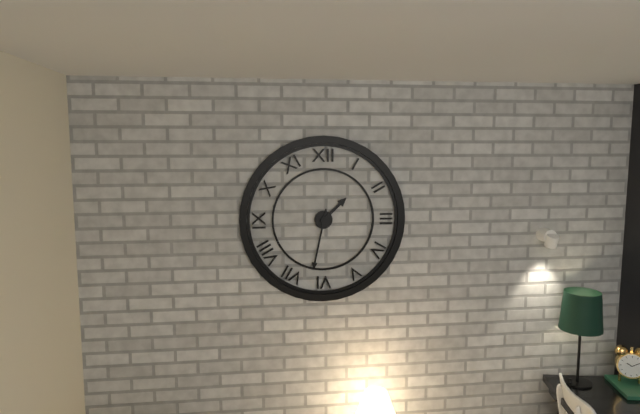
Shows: h=1 m=32
